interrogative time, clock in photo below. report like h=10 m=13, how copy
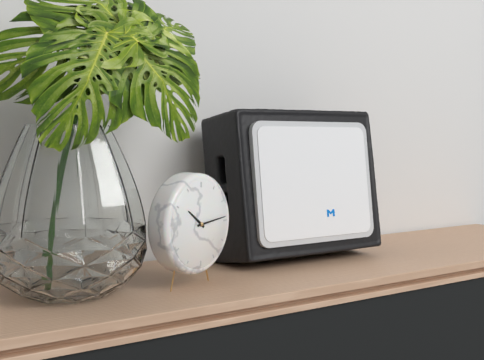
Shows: h=10 m=14
